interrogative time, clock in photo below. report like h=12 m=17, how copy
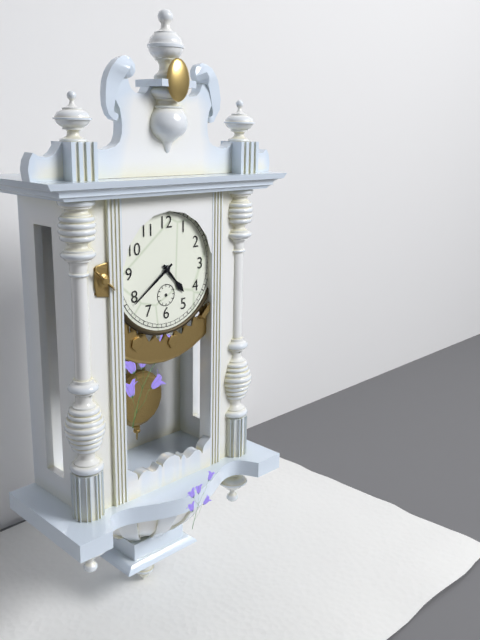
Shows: h=4 m=39
